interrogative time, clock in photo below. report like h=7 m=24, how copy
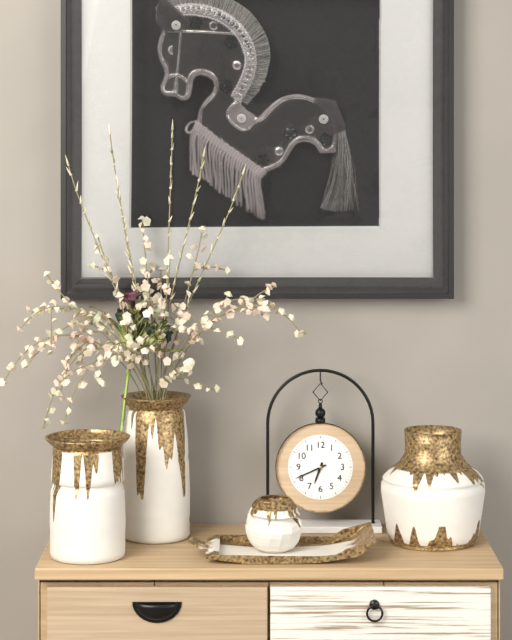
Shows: h=6 m=41
